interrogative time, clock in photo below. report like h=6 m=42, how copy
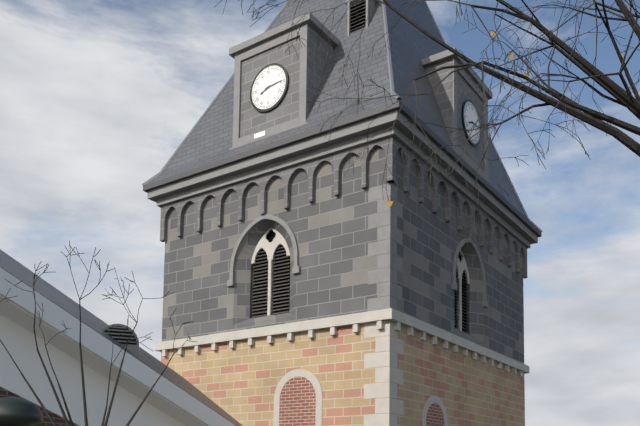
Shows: h=8 m=14
